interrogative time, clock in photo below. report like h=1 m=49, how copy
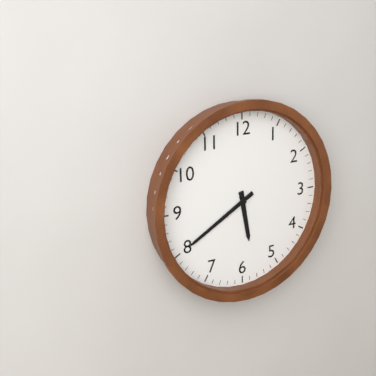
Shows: h=5 m=40
